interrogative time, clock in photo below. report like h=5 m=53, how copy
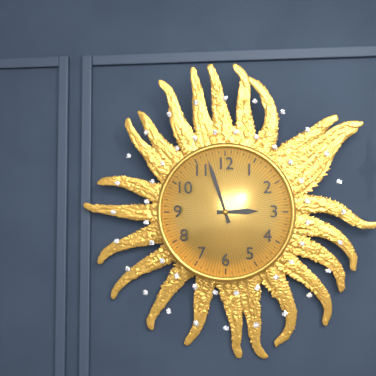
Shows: h=2 m=57
